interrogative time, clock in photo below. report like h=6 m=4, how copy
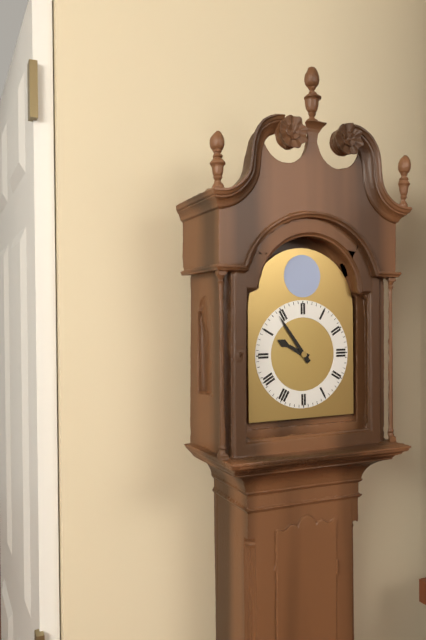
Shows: h=9 m=54
